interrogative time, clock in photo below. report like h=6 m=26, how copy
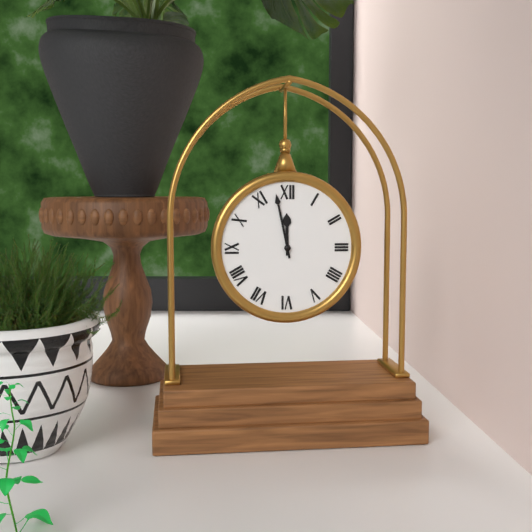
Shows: h=11 m=58
